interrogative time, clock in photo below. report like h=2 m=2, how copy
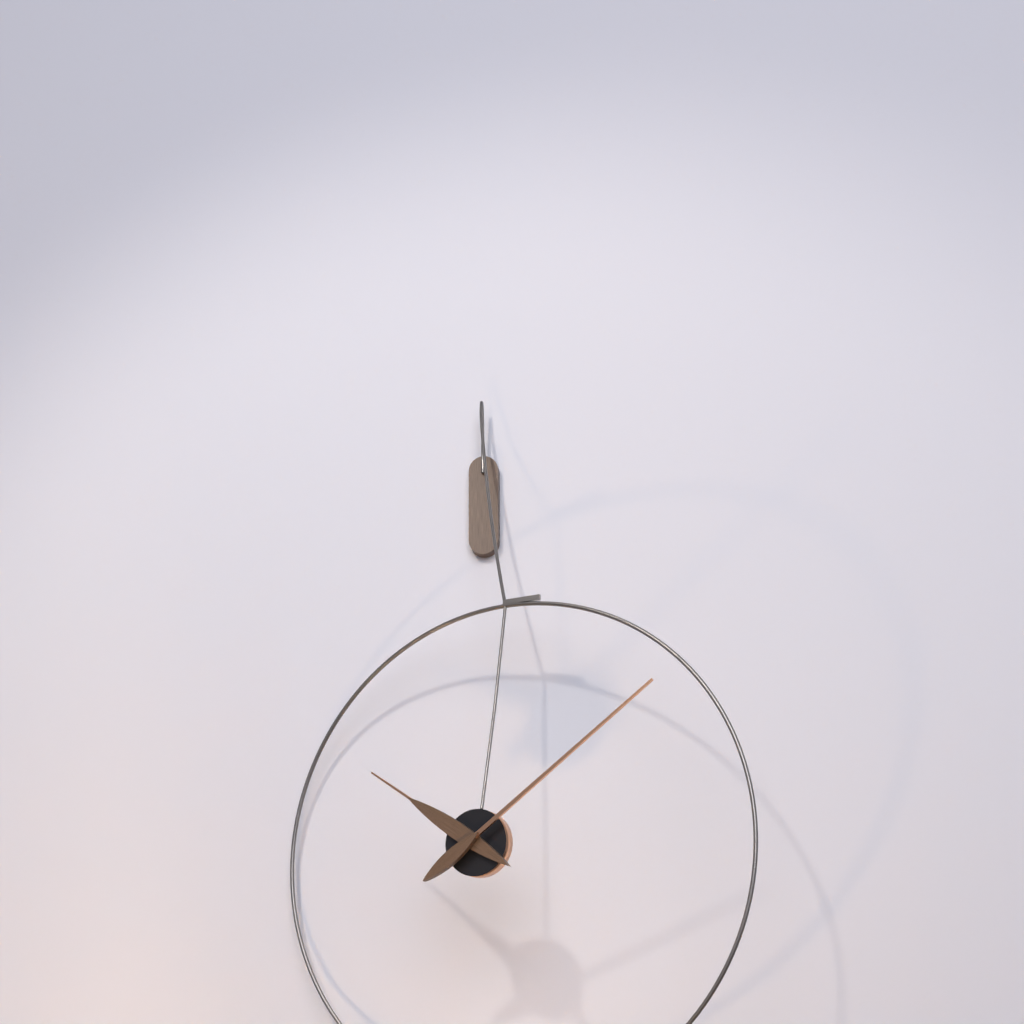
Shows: h=10 m=9
